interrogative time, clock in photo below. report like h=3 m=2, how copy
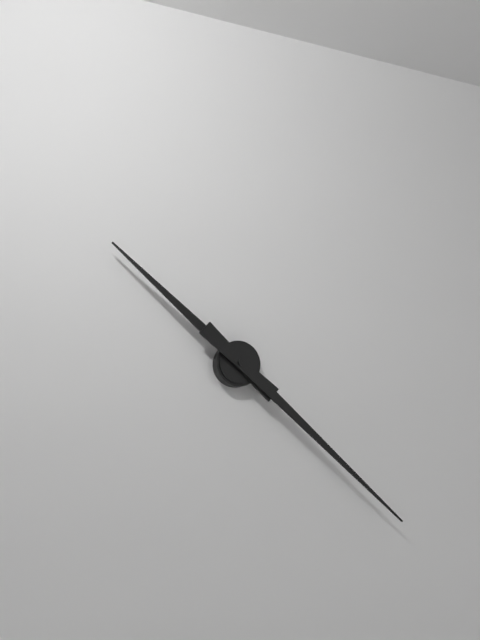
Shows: h=10 m=22
